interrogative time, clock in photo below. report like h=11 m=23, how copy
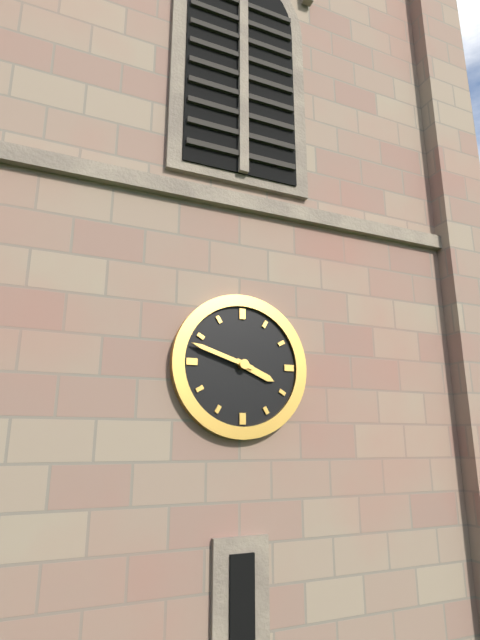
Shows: h=3 m=48
